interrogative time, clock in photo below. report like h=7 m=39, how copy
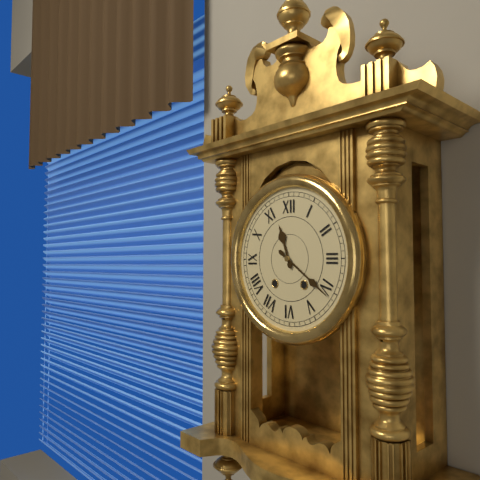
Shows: h=11 m=21
